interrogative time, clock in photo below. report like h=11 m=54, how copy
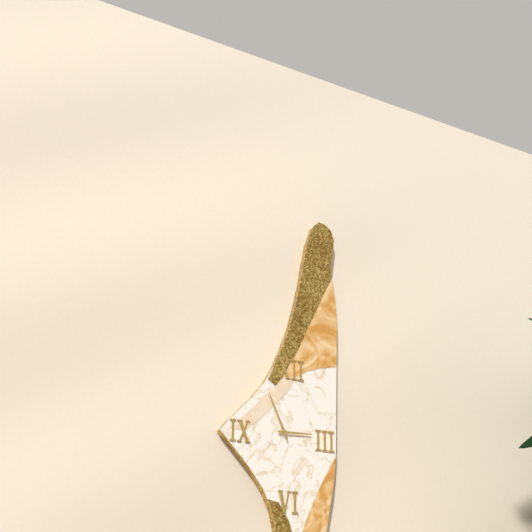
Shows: h=2 m=56
